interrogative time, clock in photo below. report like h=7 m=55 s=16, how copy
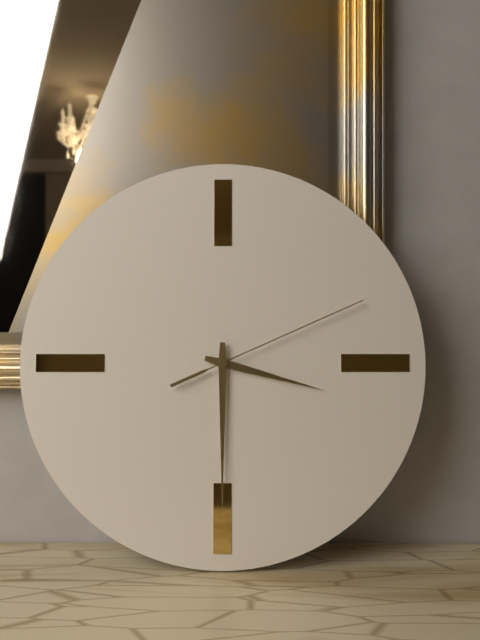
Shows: h=3 m=30 s=11
